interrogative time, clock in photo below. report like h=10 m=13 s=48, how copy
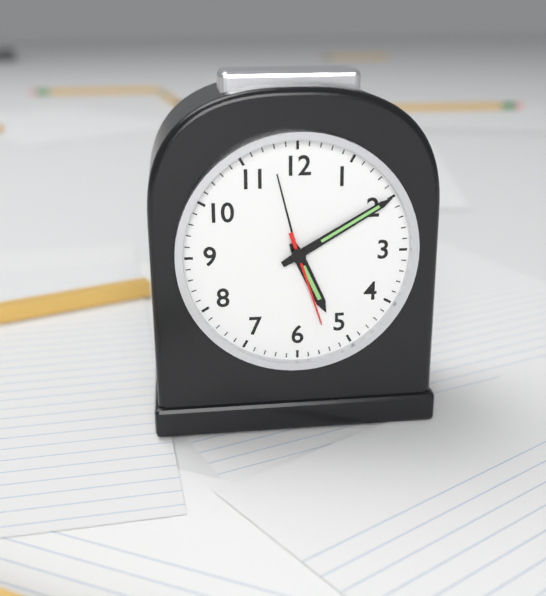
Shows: h=5 m=10 s=27
